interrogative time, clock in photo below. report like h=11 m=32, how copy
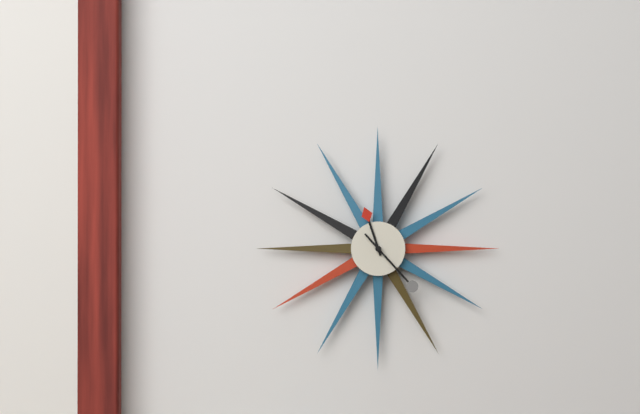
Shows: h=11 m=23
